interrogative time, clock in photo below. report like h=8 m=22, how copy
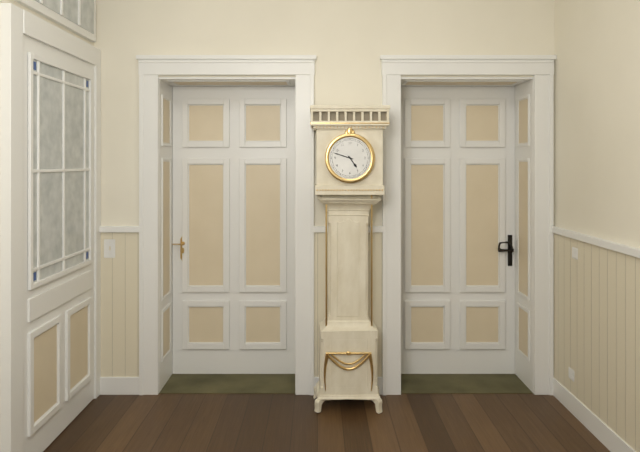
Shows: h=4 m=48
